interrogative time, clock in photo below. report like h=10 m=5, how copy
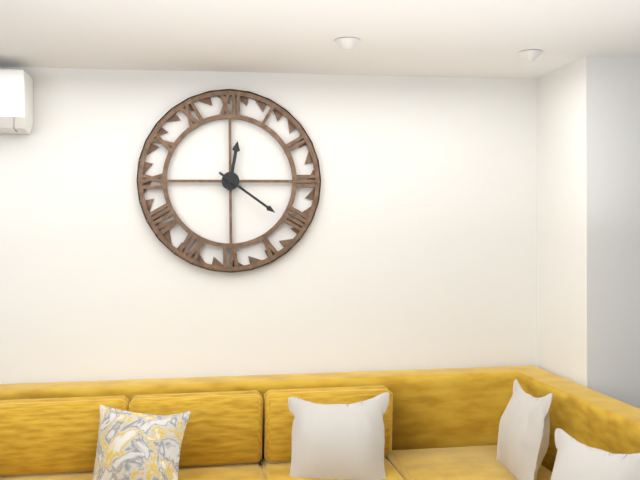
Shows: h=12 m=21
